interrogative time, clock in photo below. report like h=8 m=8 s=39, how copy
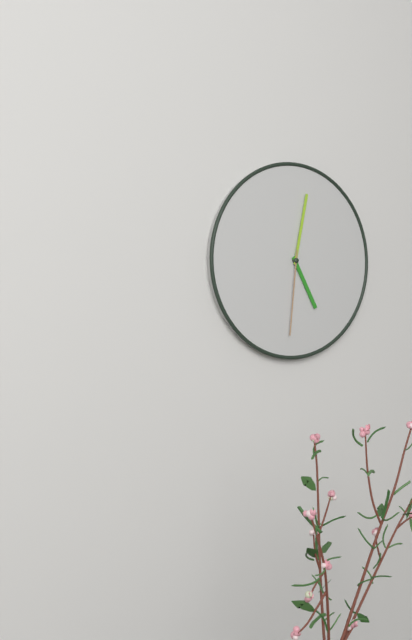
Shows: h=5 m=2 s=31
